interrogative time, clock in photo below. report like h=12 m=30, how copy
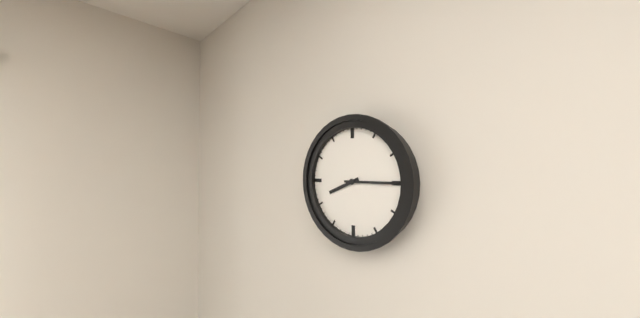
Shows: h=8 m=15
